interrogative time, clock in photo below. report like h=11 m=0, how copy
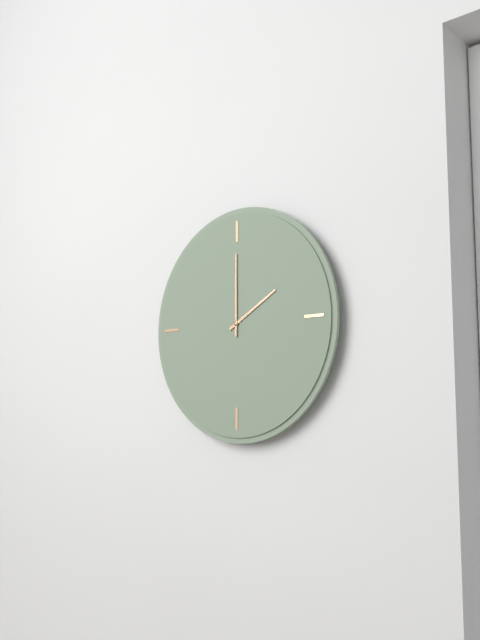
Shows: h=2 m=0
